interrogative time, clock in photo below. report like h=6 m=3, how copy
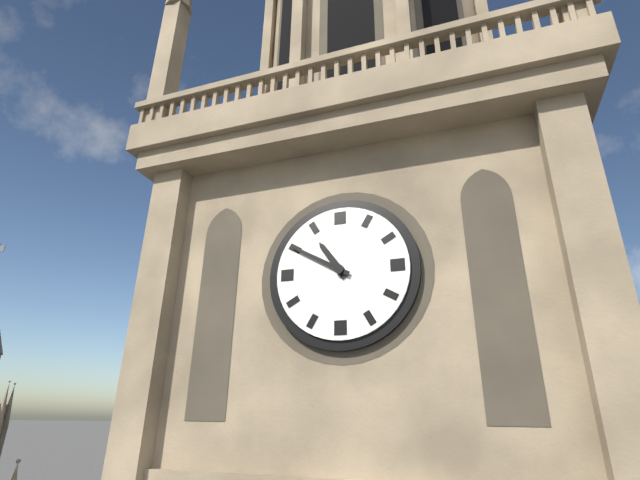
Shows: h=10 m=50
